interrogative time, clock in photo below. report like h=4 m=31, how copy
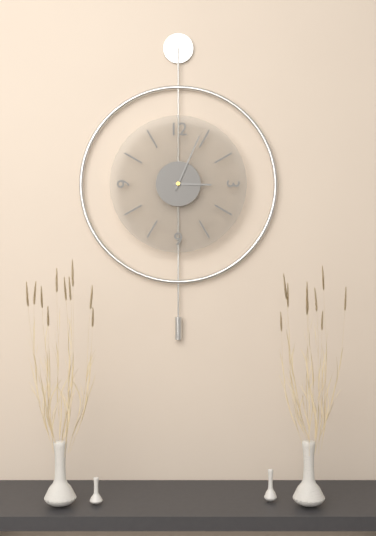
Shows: h=3 m=4
